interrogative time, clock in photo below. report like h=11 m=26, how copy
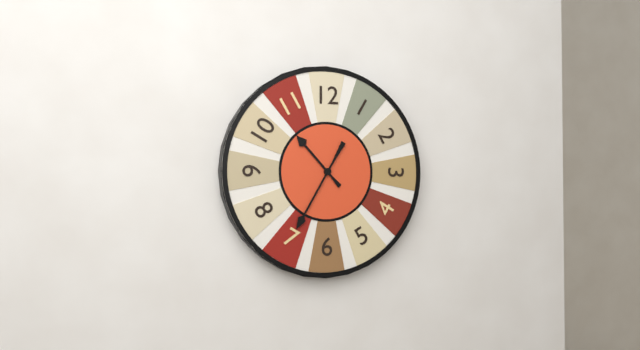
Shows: h=10 m=35
